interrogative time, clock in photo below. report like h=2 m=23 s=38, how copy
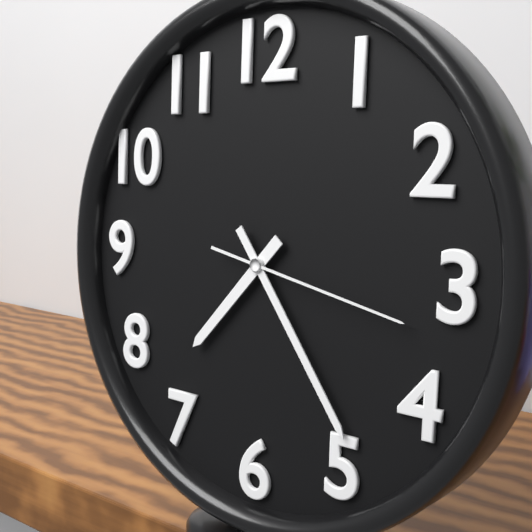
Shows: h=7 m=24 s=17
